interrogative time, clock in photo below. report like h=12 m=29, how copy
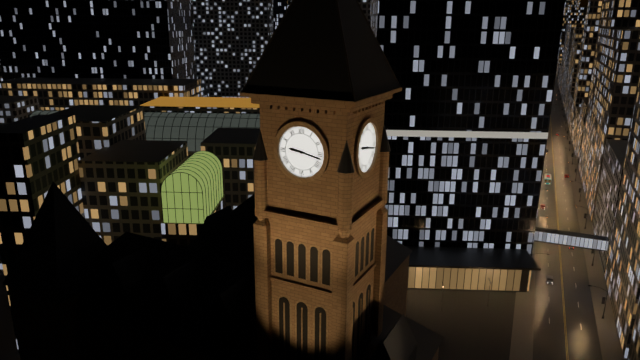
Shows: h=9 m=17
